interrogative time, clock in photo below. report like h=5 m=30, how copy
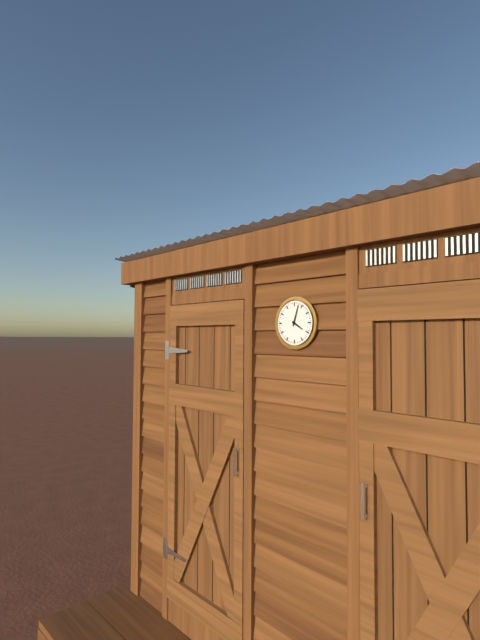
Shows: h=4 m=3
